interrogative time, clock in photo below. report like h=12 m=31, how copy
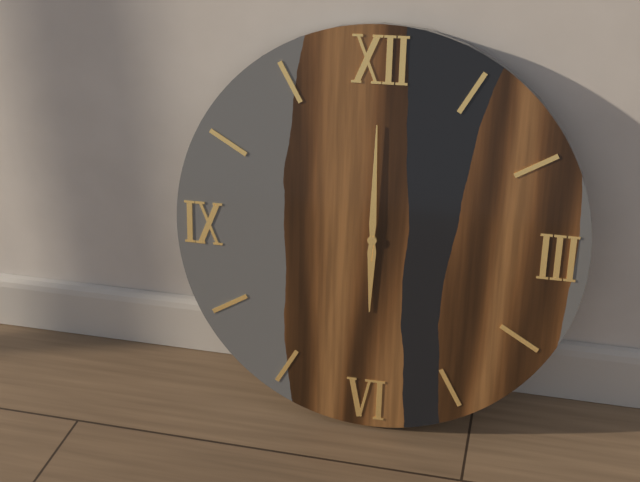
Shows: h=6 m=0
